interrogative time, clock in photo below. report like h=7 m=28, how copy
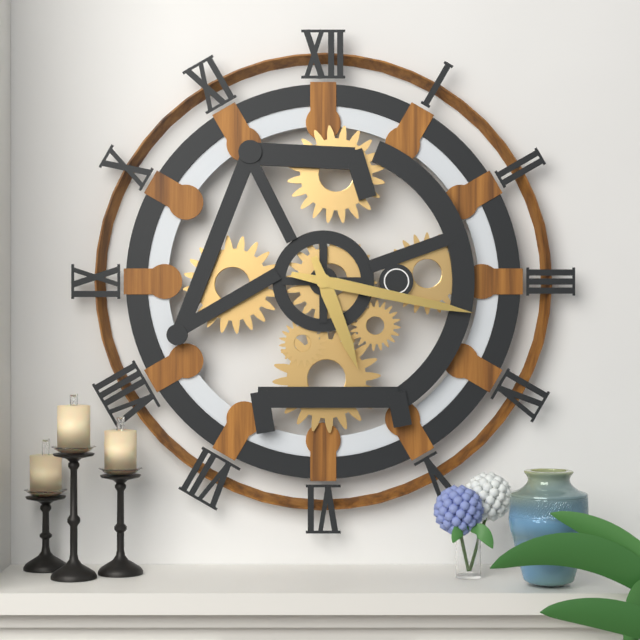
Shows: h=5 m=17
